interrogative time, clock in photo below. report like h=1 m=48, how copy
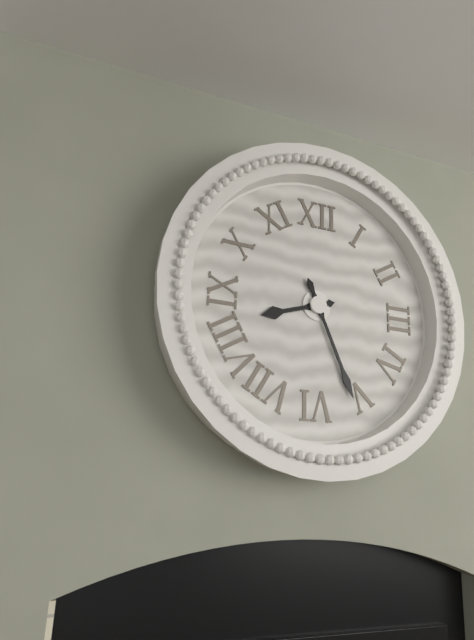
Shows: h=8 m=26
